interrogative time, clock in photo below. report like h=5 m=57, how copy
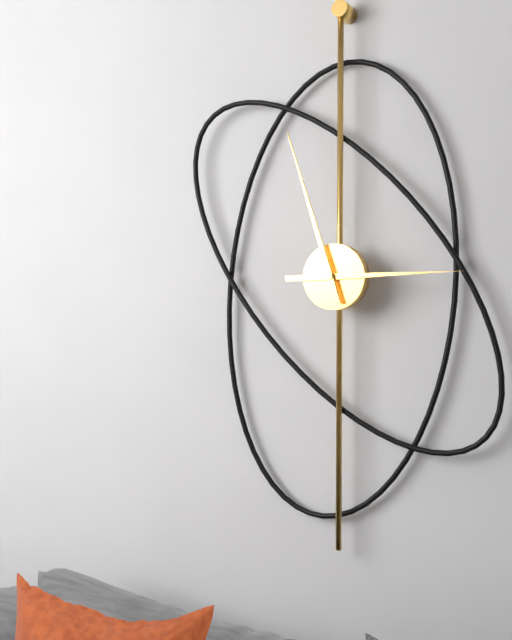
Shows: h=2 m=57
